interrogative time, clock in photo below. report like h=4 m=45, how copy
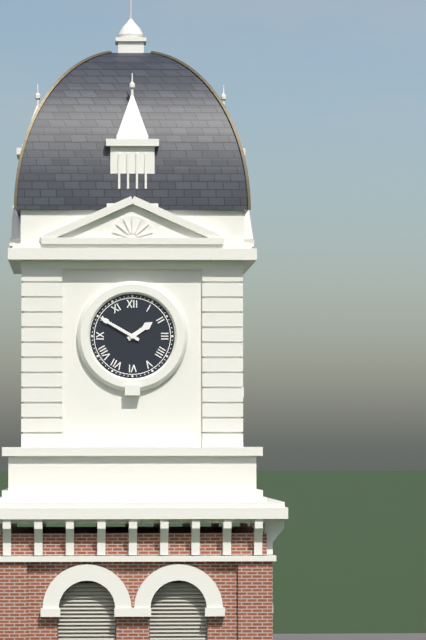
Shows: h=1 m=50
